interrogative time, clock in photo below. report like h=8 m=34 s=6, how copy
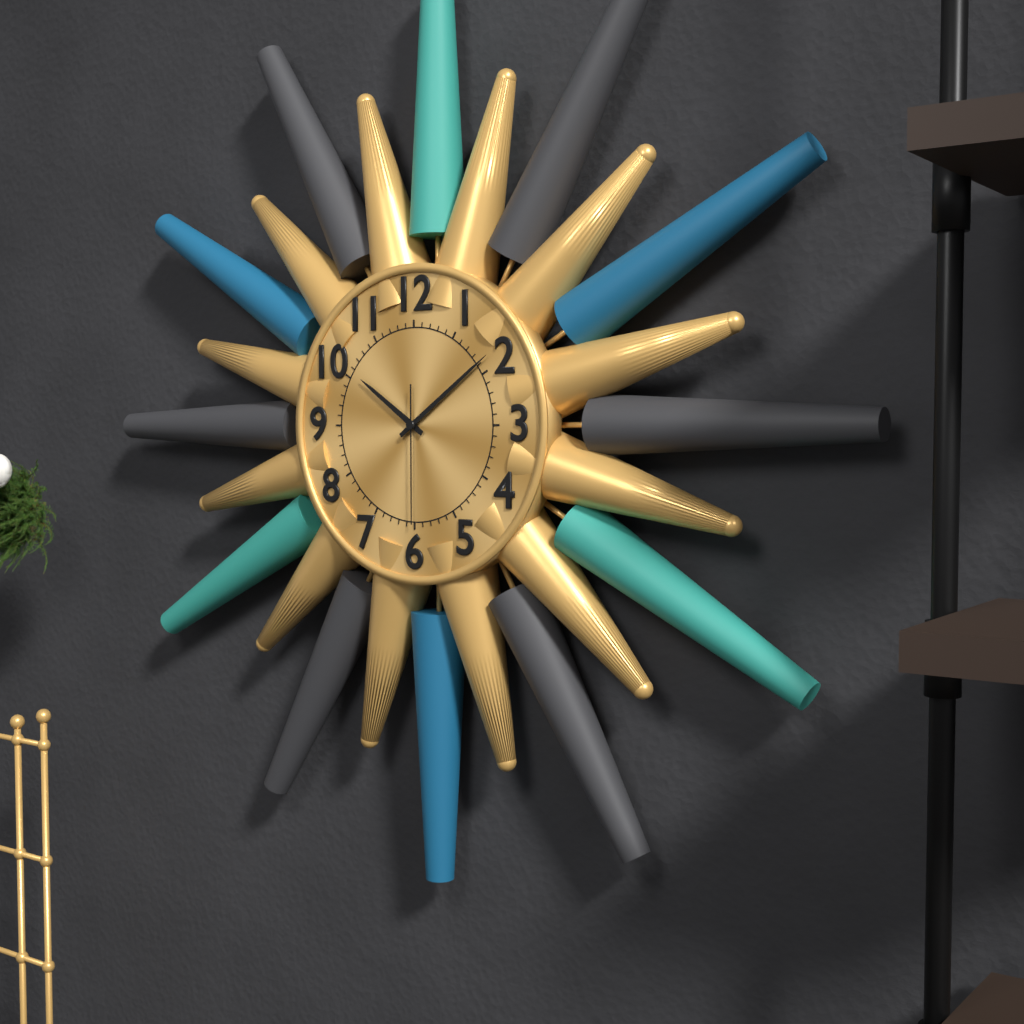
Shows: h=10 m=9 s=30
